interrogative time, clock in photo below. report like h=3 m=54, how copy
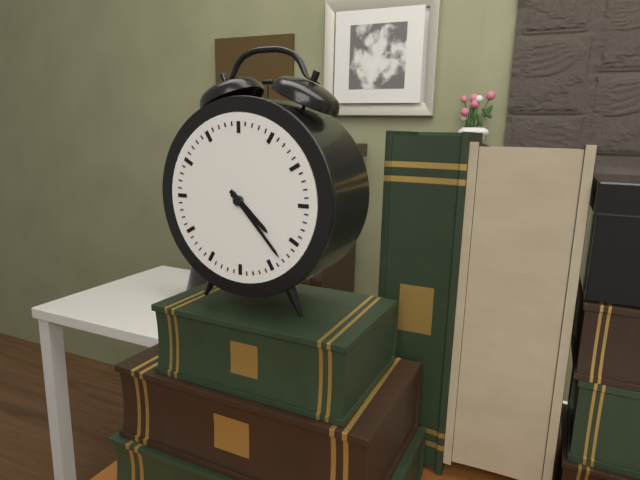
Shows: h=4 m=23
